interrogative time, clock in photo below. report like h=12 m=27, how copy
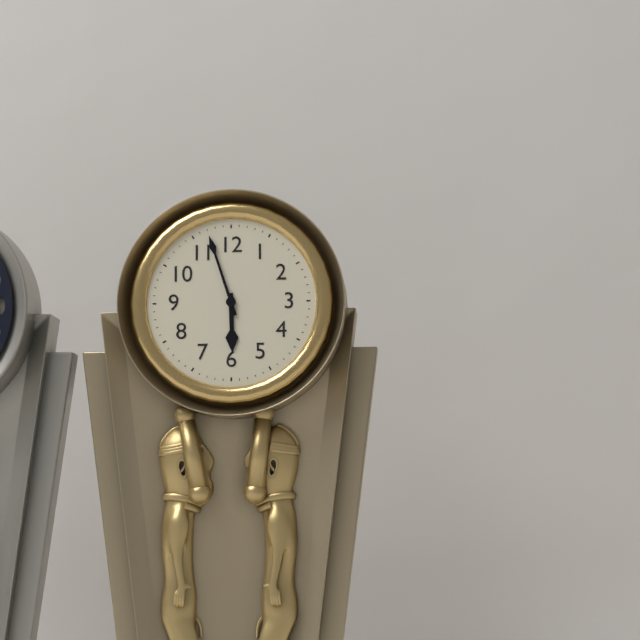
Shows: h=5 m=57
